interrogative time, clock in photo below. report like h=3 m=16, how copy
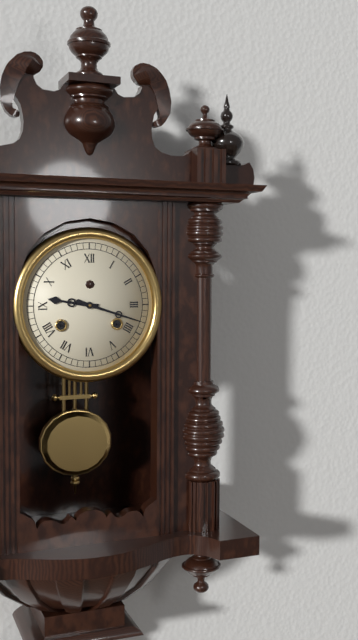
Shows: h=9 m=18
